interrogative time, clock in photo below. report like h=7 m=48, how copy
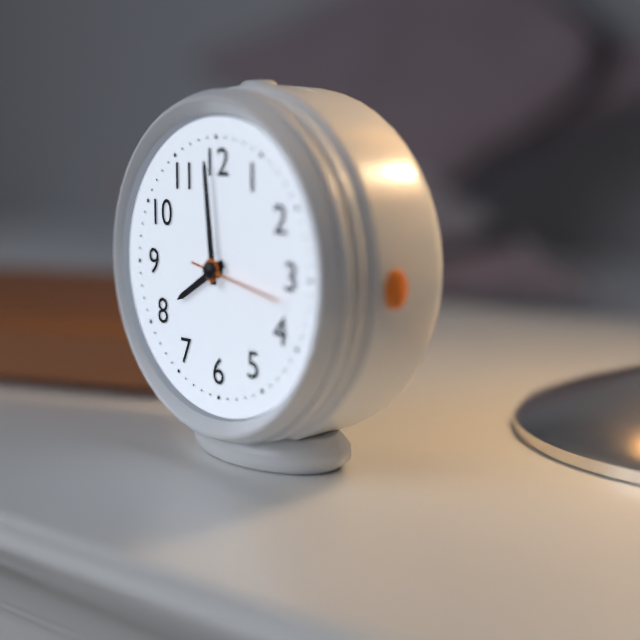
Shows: h=7 m=59
